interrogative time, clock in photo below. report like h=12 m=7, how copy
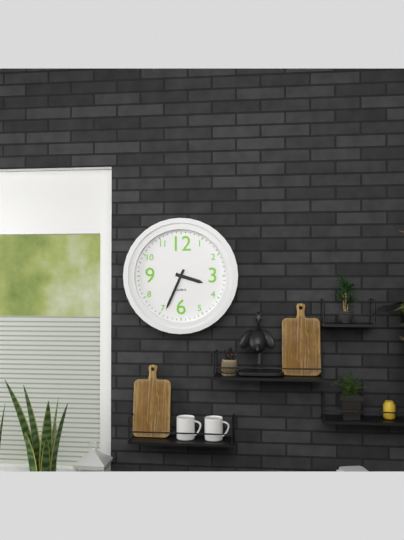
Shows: h=3 m=34
